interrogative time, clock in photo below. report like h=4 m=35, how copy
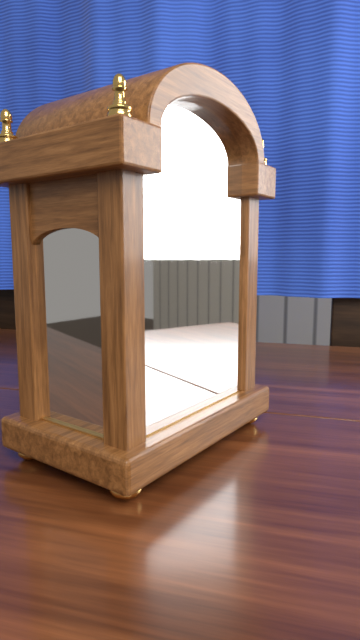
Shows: h=9 m=25
